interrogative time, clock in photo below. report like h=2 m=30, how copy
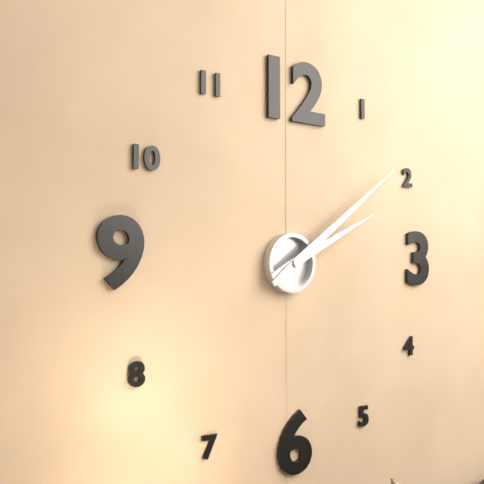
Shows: h=2 m=9
